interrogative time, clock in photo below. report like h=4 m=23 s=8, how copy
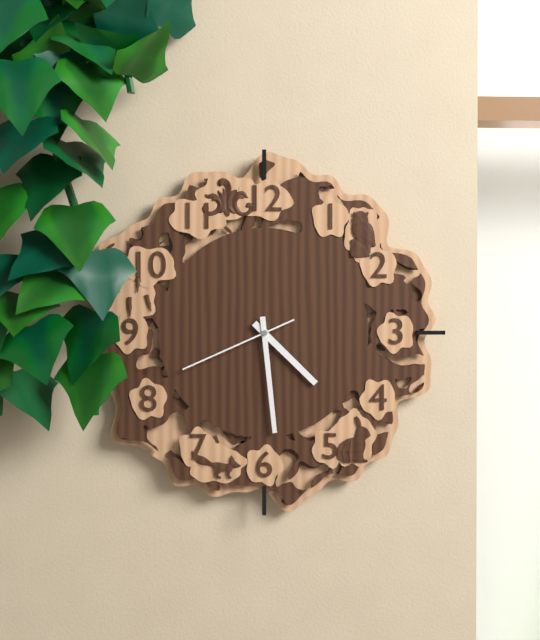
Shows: h=4 m=29 s=41
